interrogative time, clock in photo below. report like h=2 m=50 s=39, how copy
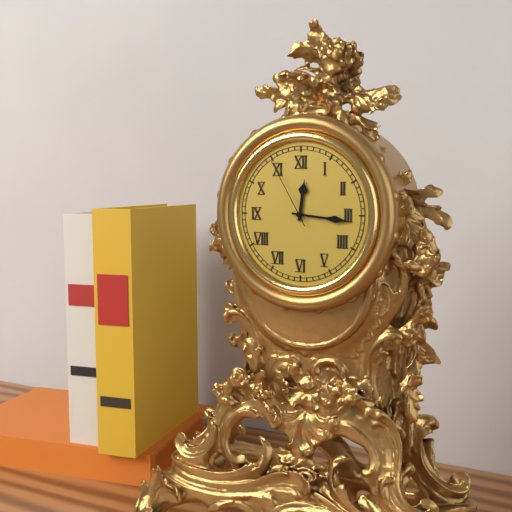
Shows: h=12 m=16 s=55
